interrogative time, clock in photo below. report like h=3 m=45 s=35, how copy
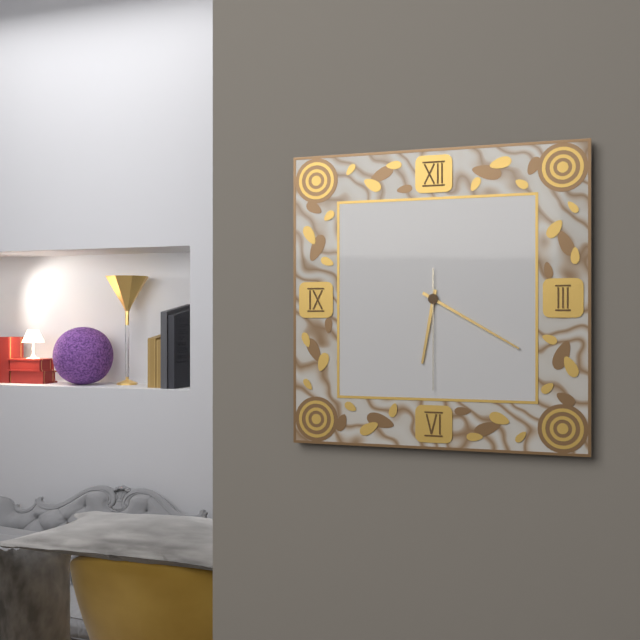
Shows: h=6 m=20 s=30
